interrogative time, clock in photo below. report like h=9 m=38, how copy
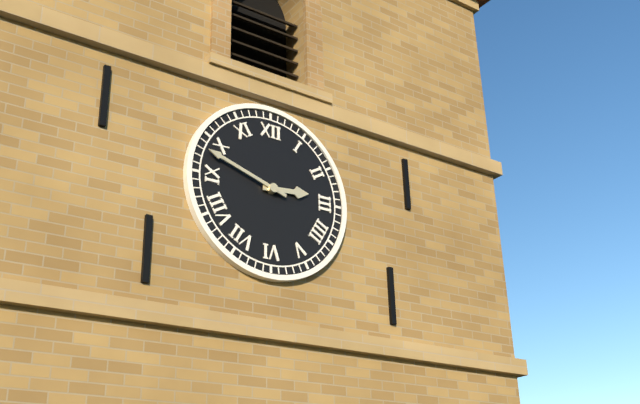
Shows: h=2 m=48
